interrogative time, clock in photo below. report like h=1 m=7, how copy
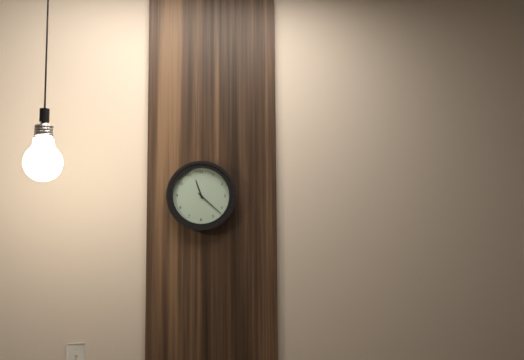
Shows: h=11 m=22
